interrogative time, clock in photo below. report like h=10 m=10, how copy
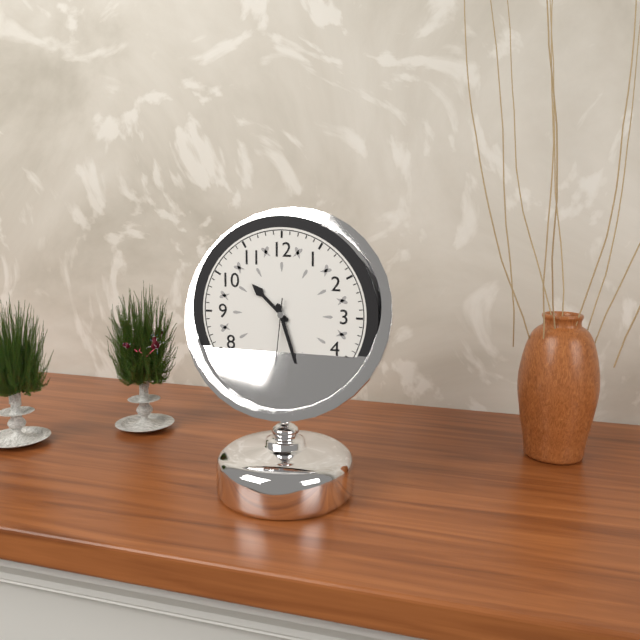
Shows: h=10 m=27
